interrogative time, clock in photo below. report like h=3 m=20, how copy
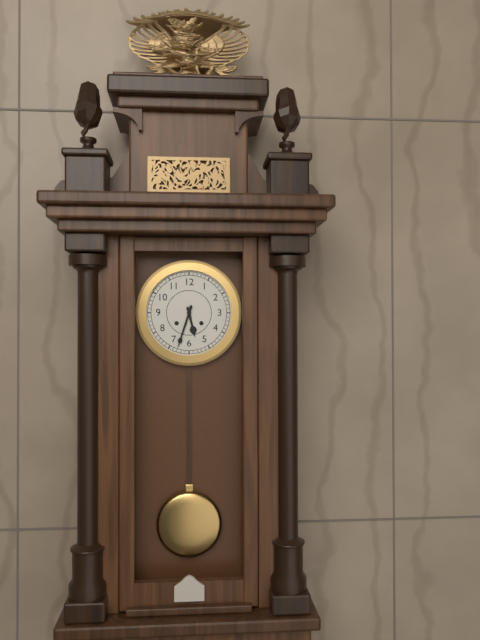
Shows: h=5 m=33
